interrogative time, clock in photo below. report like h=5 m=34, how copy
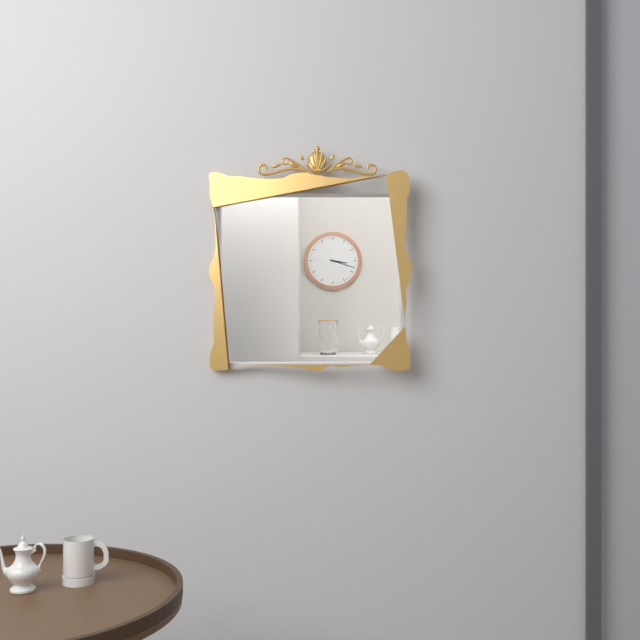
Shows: h=3 m=18
